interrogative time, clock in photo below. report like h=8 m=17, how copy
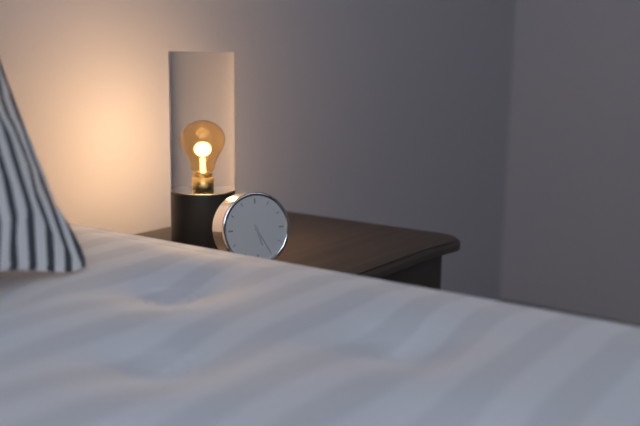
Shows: h=5 m=25
